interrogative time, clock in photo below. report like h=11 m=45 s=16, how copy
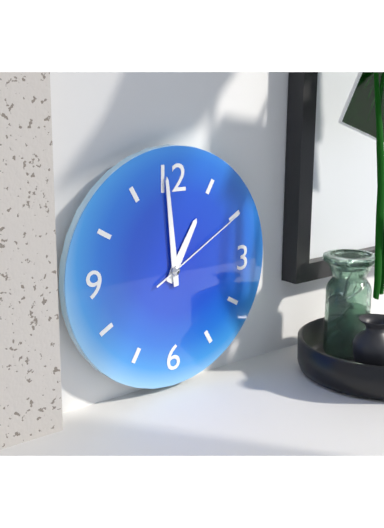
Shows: h=12 m=59 s=10
